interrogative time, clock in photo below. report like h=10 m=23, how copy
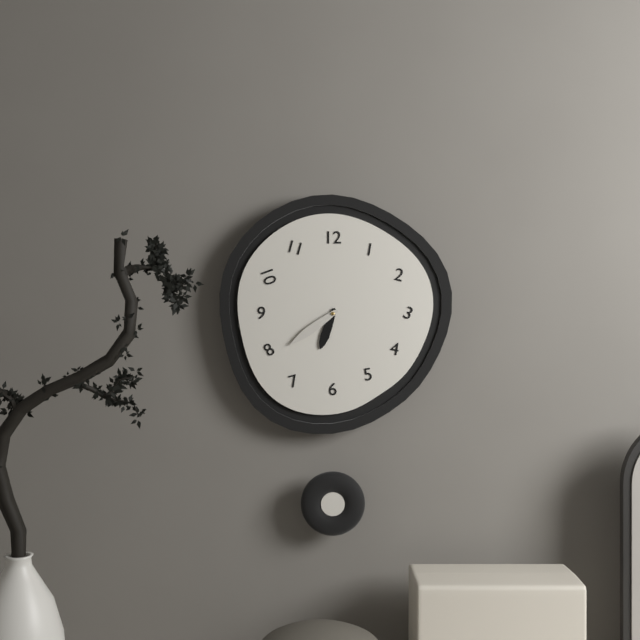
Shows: h=6 m=39
